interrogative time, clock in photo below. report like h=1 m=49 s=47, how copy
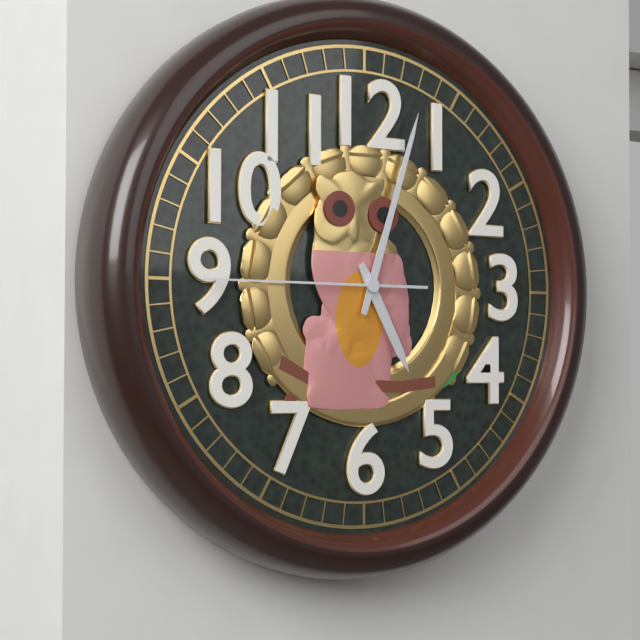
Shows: h=5 m=3 s=45
